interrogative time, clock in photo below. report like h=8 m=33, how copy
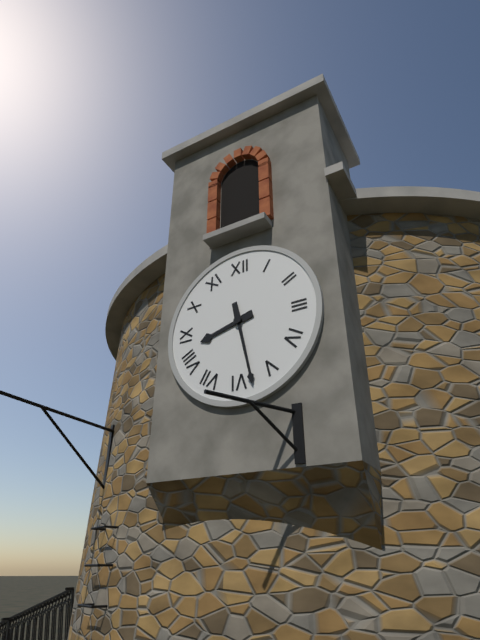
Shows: h=8 m=28
